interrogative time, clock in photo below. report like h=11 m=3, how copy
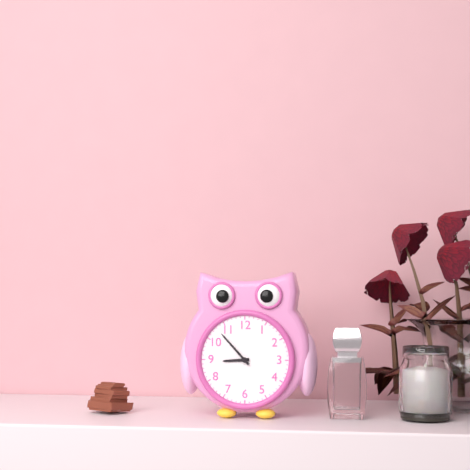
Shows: h=8 m=53
